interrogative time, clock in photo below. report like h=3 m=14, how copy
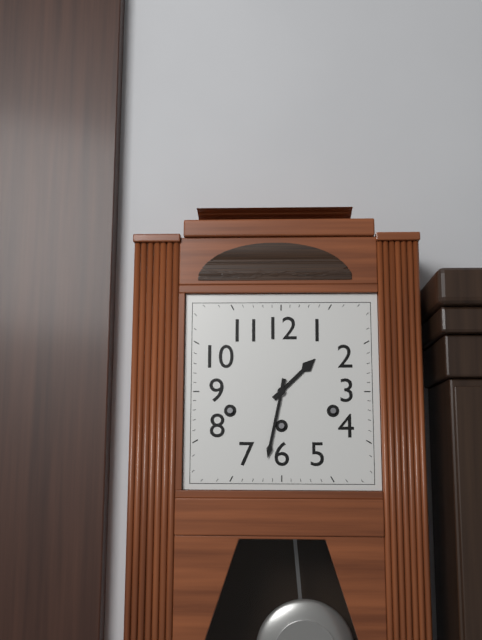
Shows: h=1 m=32
